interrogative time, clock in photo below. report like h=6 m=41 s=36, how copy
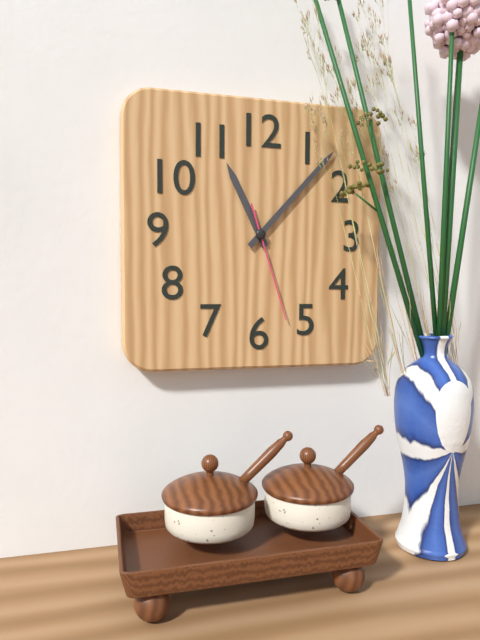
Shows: h=11 m=7 s=27
